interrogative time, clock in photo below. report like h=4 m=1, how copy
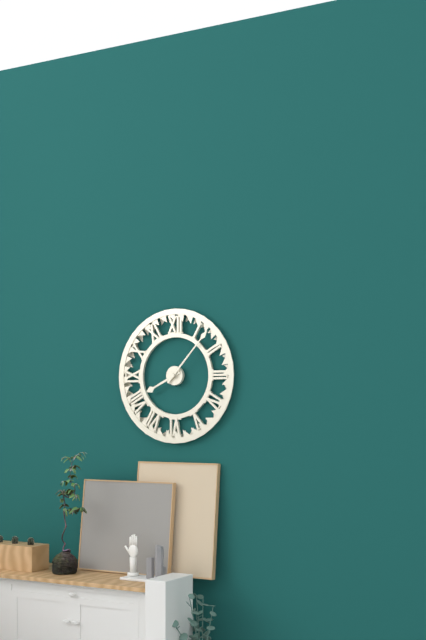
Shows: h=8 m=7
